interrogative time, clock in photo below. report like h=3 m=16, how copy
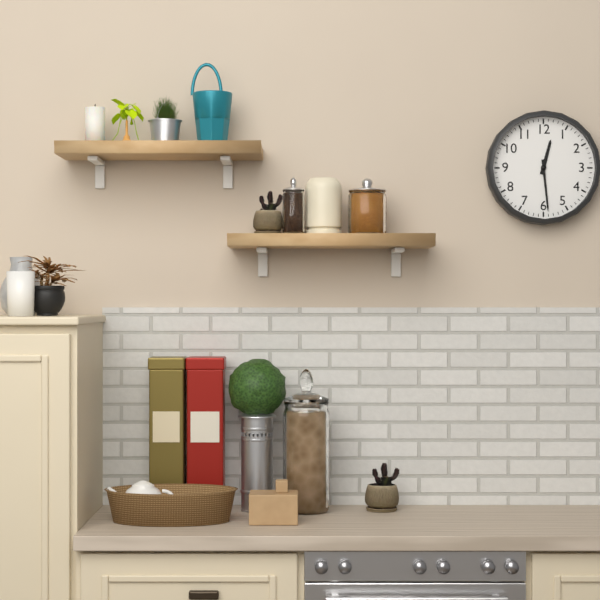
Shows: h=12 m=29
